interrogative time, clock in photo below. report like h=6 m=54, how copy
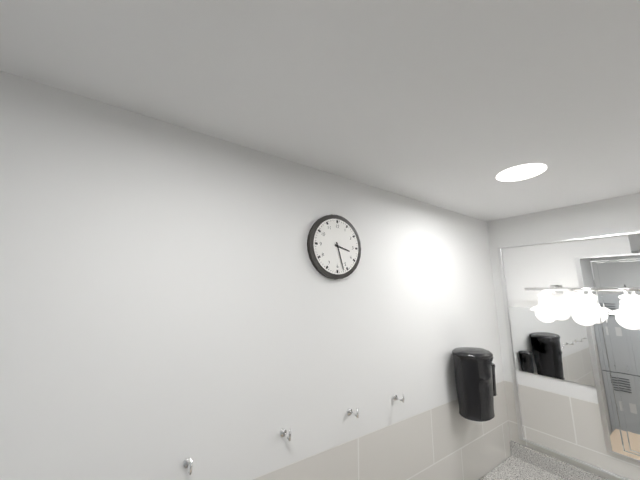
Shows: h=3 m=27
